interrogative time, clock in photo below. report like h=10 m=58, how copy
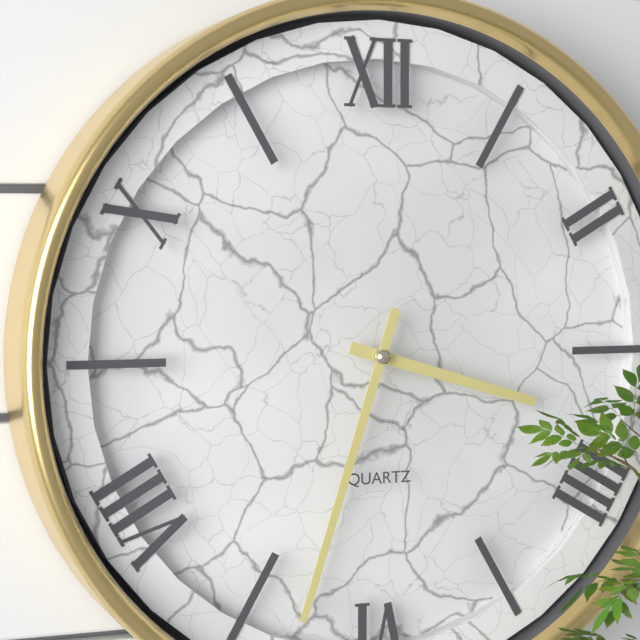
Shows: h=3 m=33
